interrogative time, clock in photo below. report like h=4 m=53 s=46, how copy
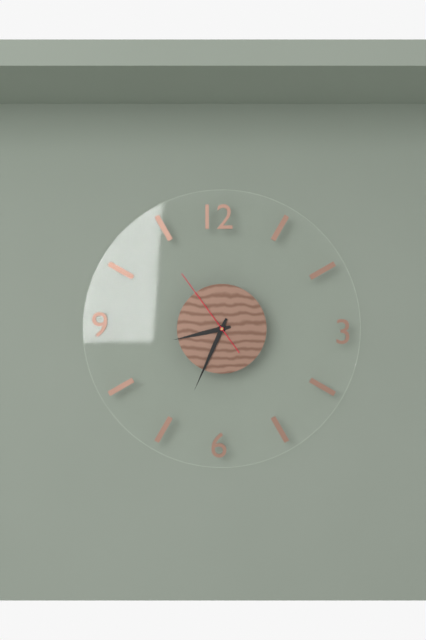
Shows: h=8 m=34 s=54
